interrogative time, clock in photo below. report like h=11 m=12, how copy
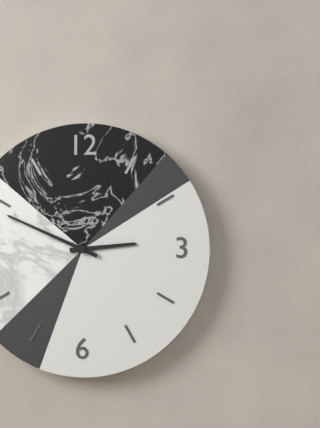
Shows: h=2 m=49
